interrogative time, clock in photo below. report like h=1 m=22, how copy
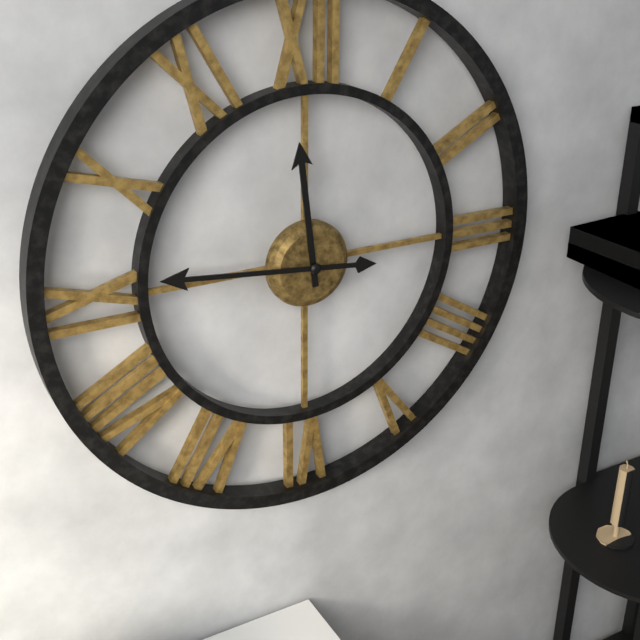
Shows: h=11 m=46
